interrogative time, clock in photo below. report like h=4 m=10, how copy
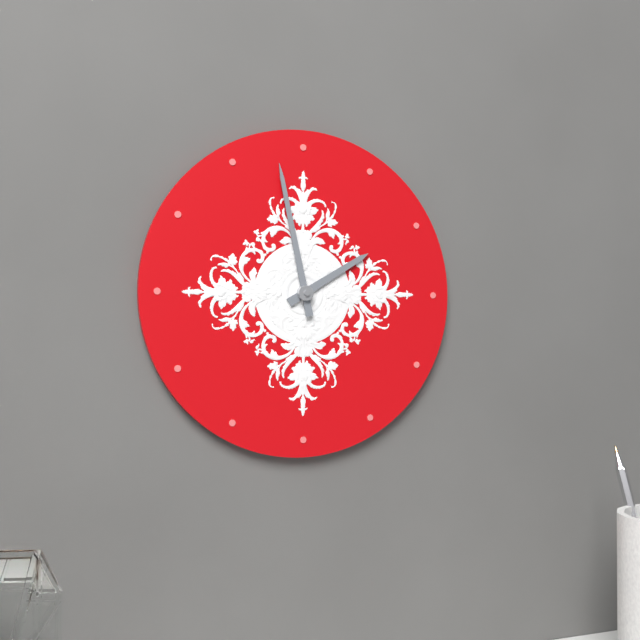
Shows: h=1 m=58
